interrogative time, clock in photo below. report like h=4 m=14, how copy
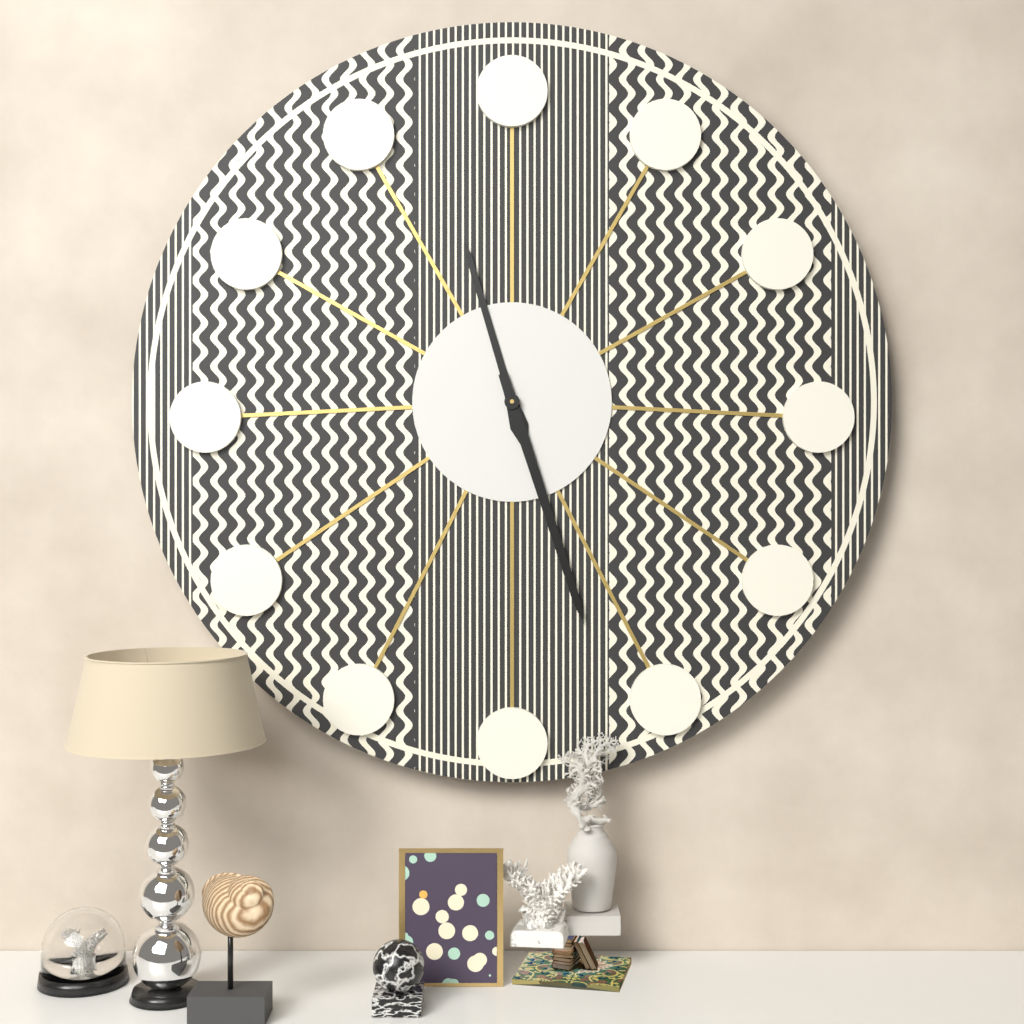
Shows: h=11 m=27
